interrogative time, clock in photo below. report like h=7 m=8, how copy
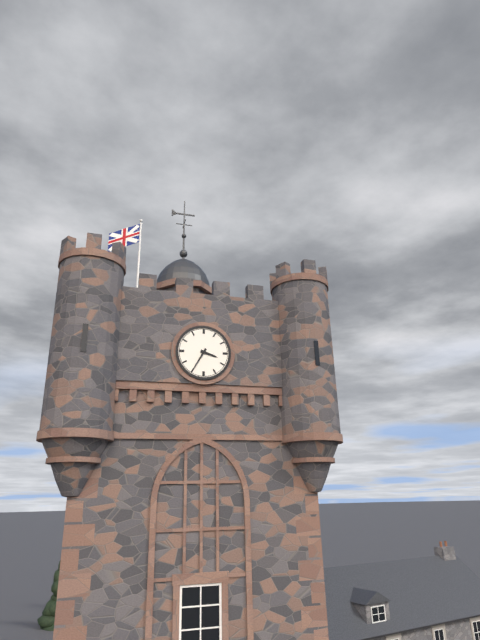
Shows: h=3 m=35
